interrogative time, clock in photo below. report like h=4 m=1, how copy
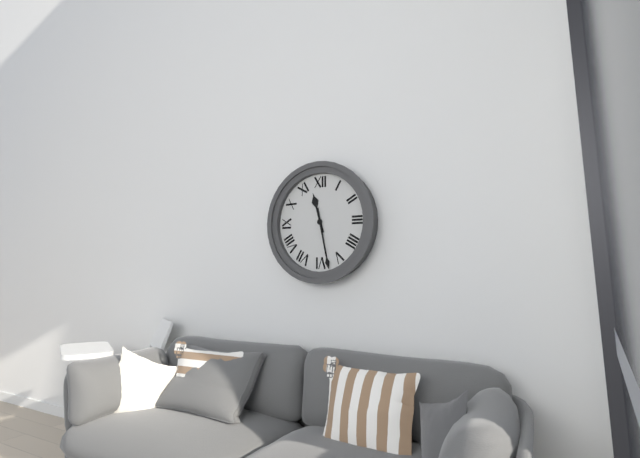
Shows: h=11 m=28
